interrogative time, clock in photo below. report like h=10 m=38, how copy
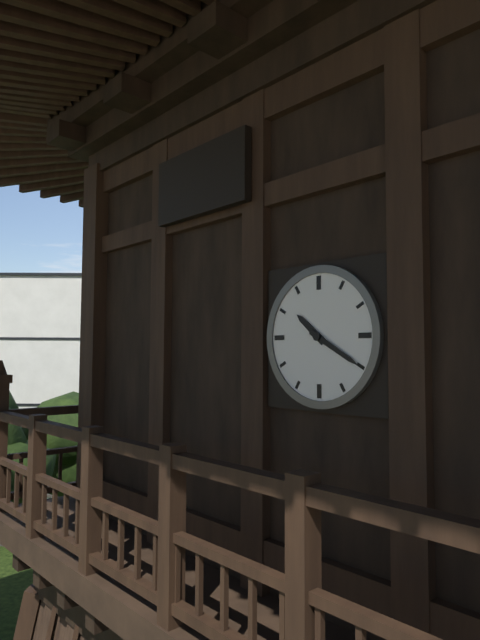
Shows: h=10 m=20
